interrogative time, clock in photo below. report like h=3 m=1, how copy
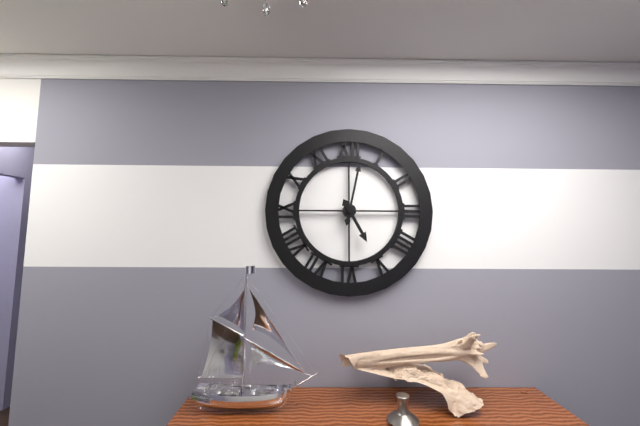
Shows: h=5 m=2
